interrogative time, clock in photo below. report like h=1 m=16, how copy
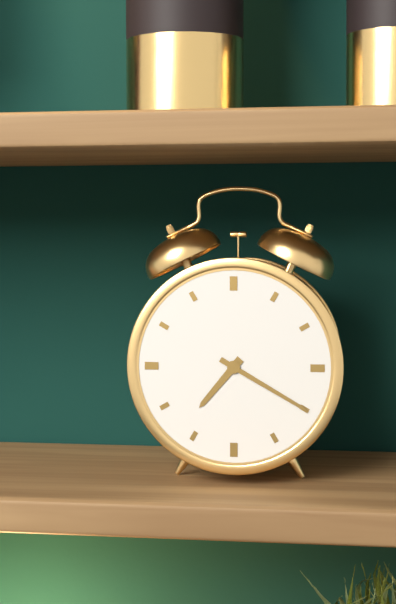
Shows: h=7 m=20
